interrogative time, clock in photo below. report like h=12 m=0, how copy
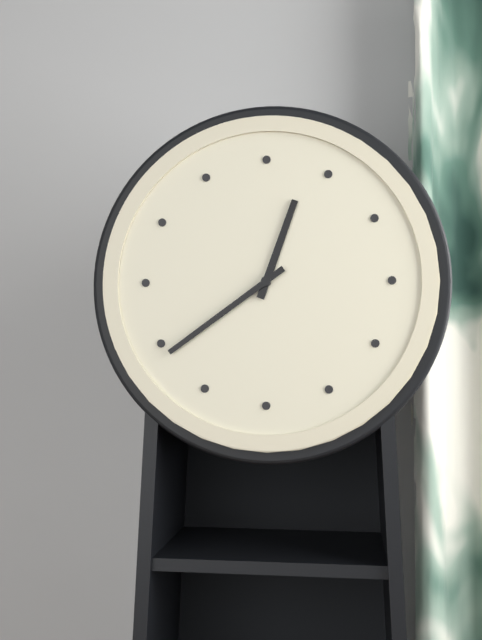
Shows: h=12 m=39
